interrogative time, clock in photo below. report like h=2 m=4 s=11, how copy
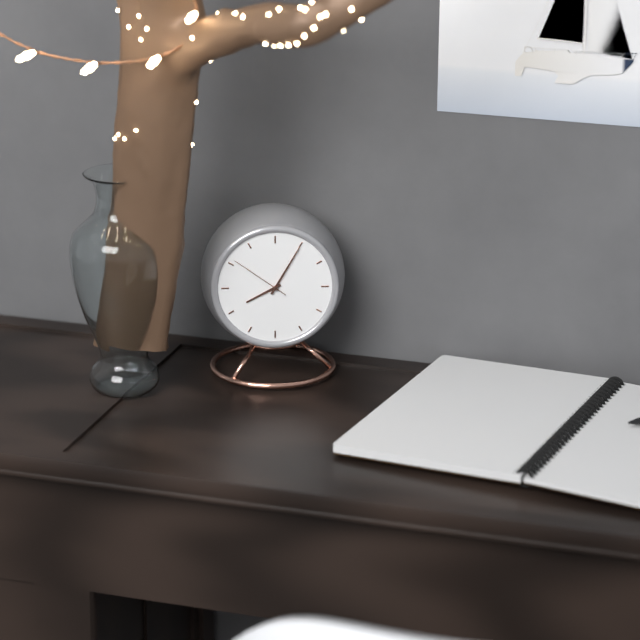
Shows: h=8 m=5 s=51
